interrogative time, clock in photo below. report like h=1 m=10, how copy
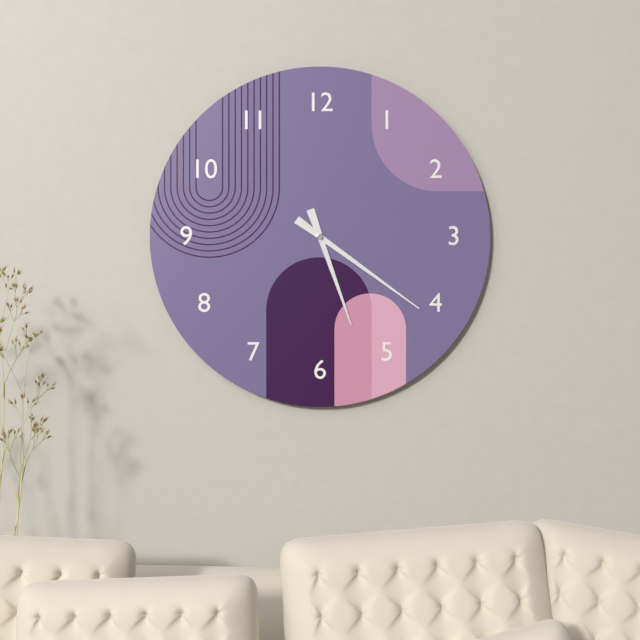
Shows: h=5 m=21
